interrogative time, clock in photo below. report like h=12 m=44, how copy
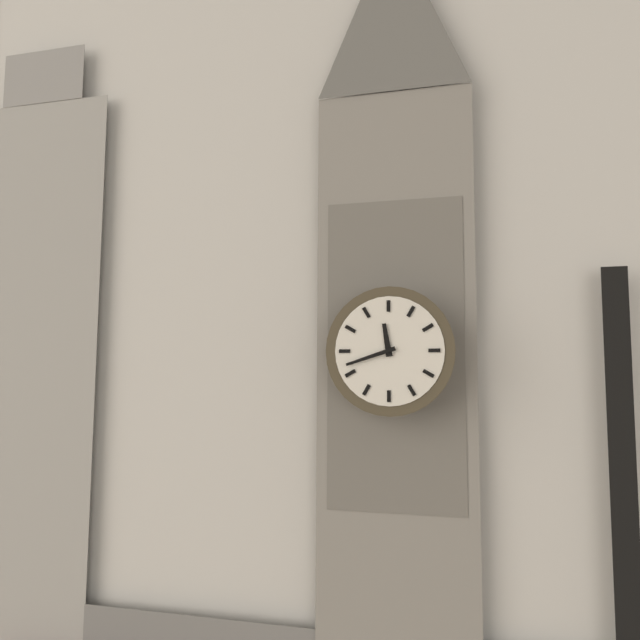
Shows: h=11 m=42
